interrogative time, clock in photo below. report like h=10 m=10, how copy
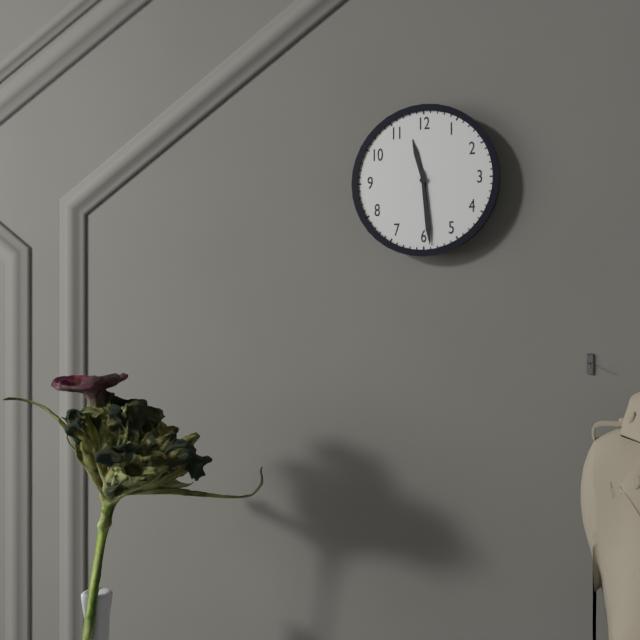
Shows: h=11 m=29
